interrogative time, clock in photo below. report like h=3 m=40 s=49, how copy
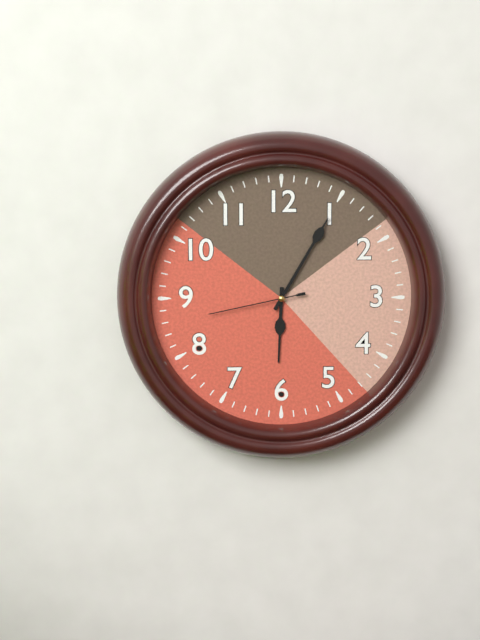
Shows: h=6 m=5 s=43
